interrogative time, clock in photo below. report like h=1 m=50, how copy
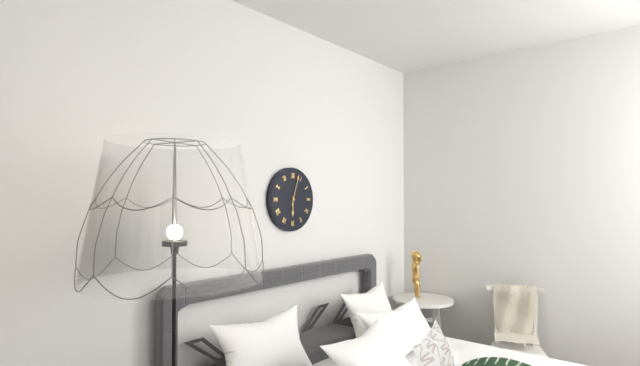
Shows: h=6 m=3
